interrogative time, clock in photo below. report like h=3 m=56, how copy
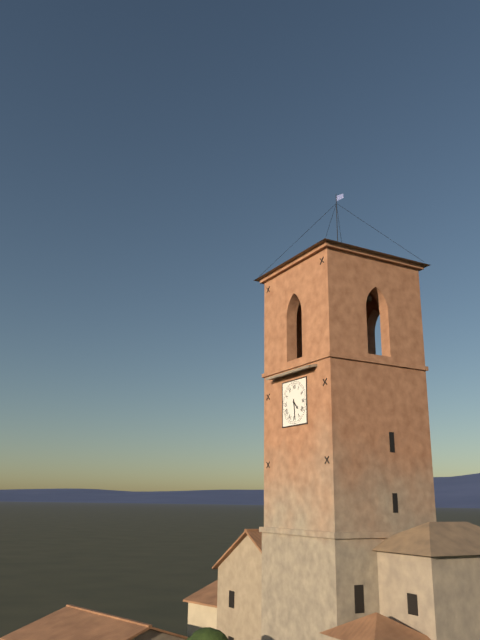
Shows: h=4 m=29
